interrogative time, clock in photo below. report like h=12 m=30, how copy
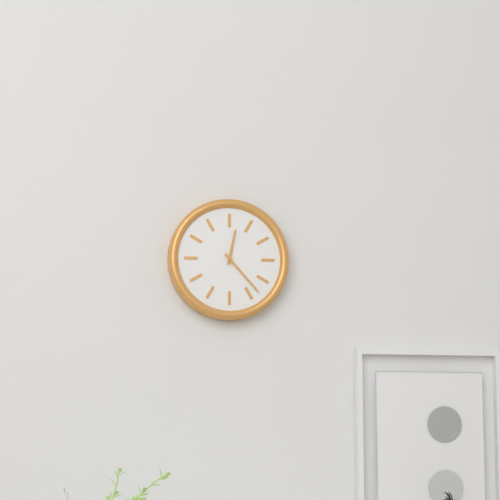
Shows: h=12 m=23
